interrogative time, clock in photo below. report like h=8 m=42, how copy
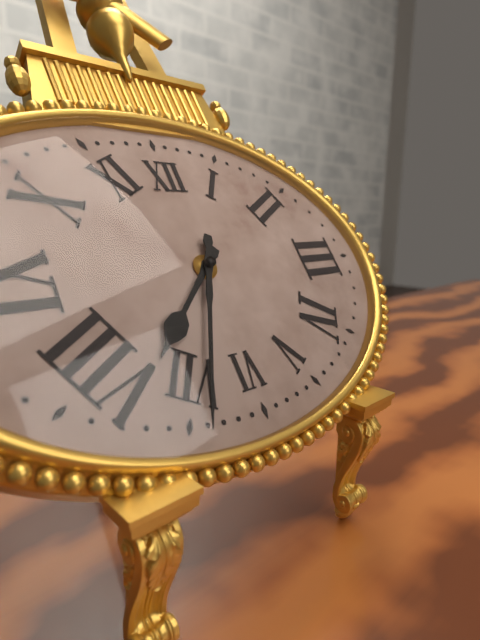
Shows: h=7 m=34
